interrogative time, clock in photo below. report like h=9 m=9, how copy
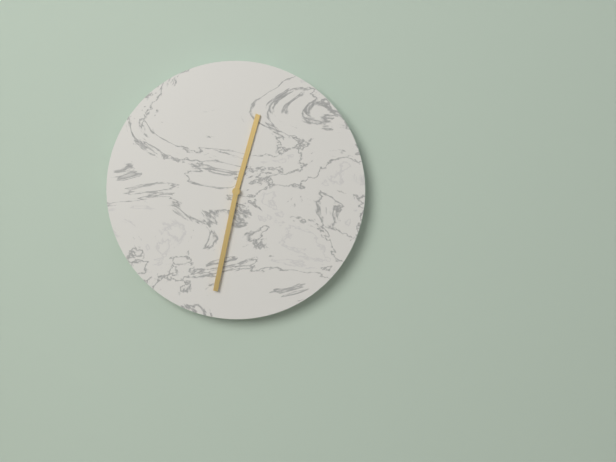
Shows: h=12 m=32
